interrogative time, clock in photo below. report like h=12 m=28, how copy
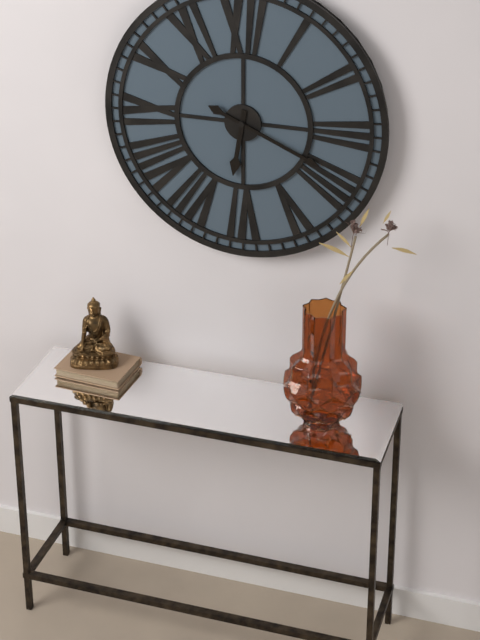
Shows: h=6 m=19
